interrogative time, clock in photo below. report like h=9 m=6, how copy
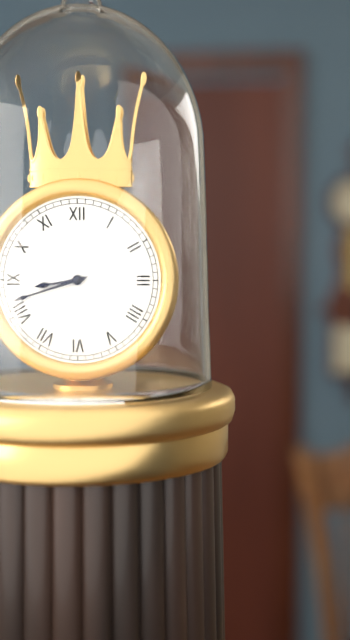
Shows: h=8 m=42
